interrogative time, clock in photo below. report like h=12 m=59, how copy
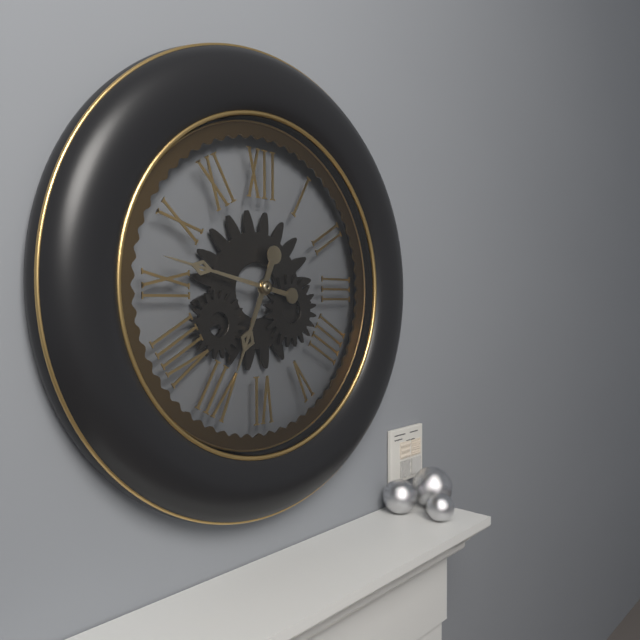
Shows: h=6 m=47
